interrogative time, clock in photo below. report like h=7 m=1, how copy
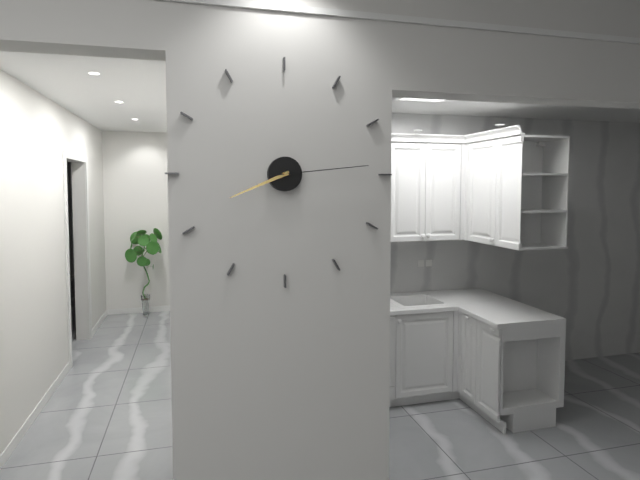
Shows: h=8 m=14
